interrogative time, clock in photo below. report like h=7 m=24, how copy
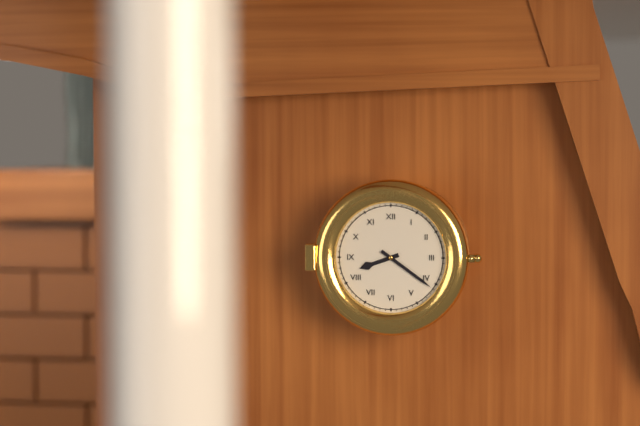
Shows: h=8 m=21
